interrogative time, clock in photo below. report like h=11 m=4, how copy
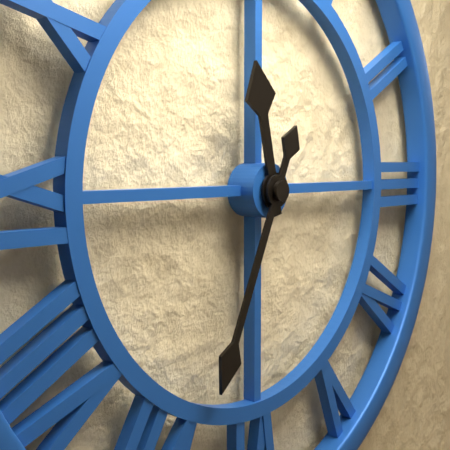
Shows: h=11 m=34
